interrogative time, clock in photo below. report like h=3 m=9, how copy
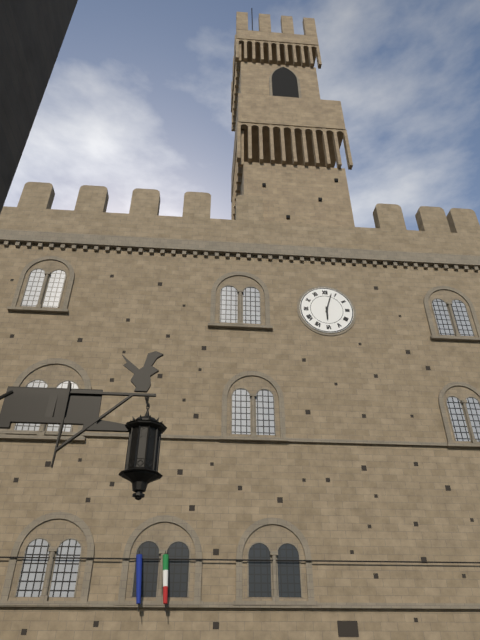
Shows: h=6 m=3
